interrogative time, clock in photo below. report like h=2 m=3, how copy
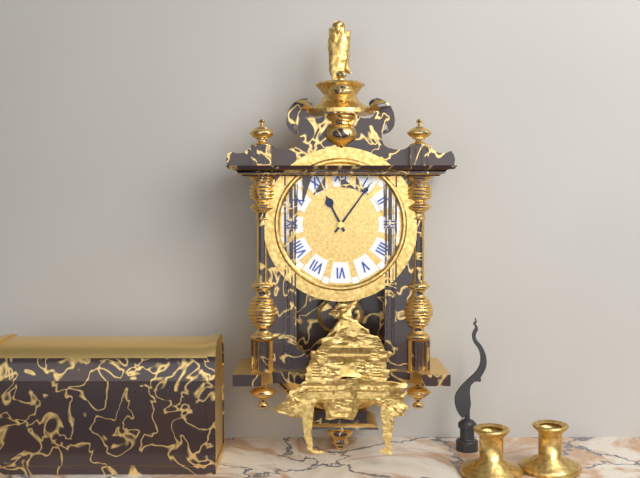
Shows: h=11 m=6
